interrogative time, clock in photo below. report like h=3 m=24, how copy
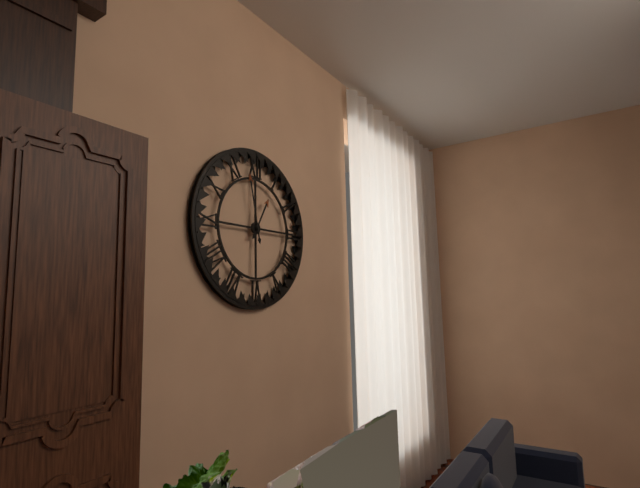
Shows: h=12 m=58
